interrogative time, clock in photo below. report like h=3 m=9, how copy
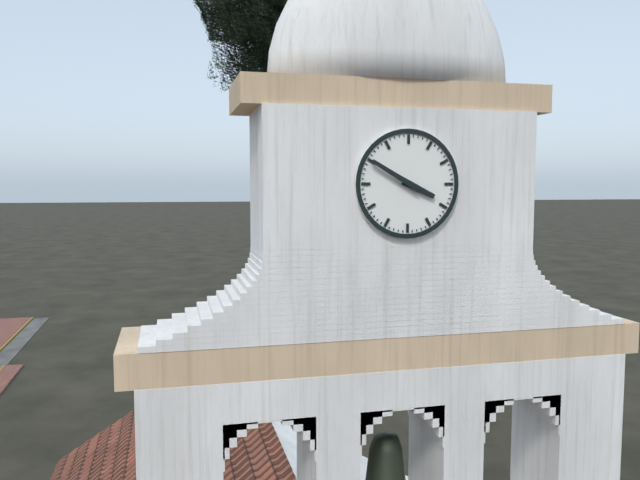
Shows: h=3 m=50
